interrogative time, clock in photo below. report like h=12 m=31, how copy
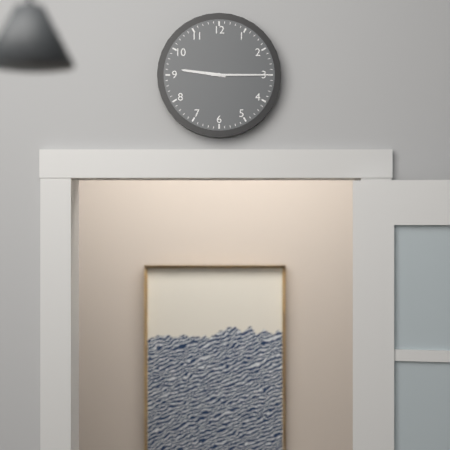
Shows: h=9 m=15
